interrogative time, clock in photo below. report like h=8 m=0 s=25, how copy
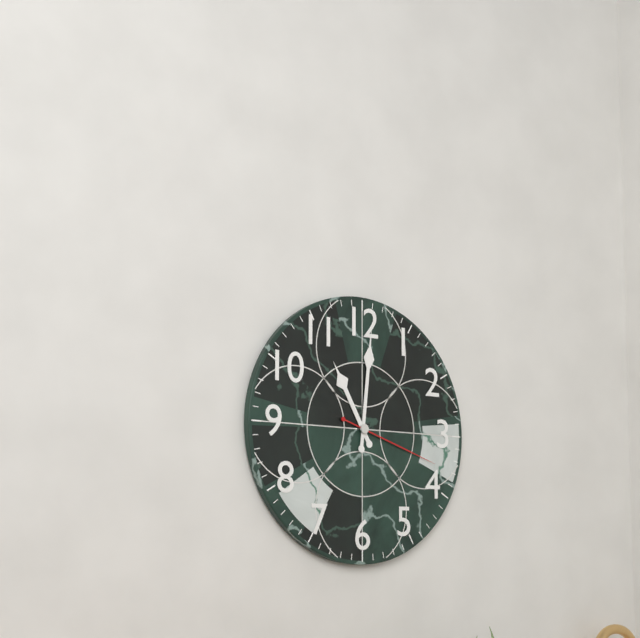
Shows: h=11 m=1 s=18
